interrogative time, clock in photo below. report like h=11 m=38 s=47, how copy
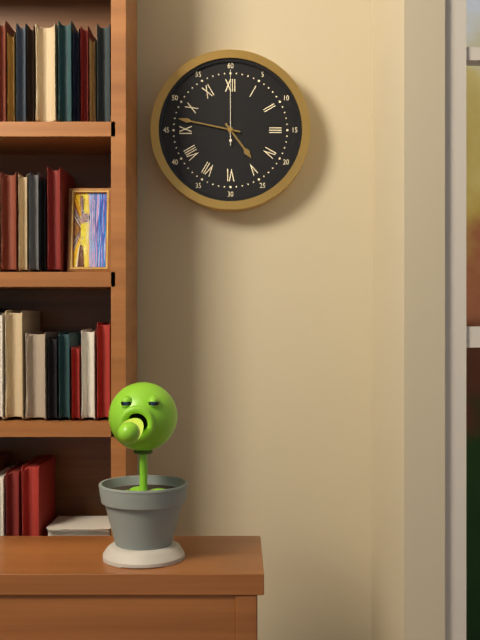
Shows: h=4 m=47 s=0
